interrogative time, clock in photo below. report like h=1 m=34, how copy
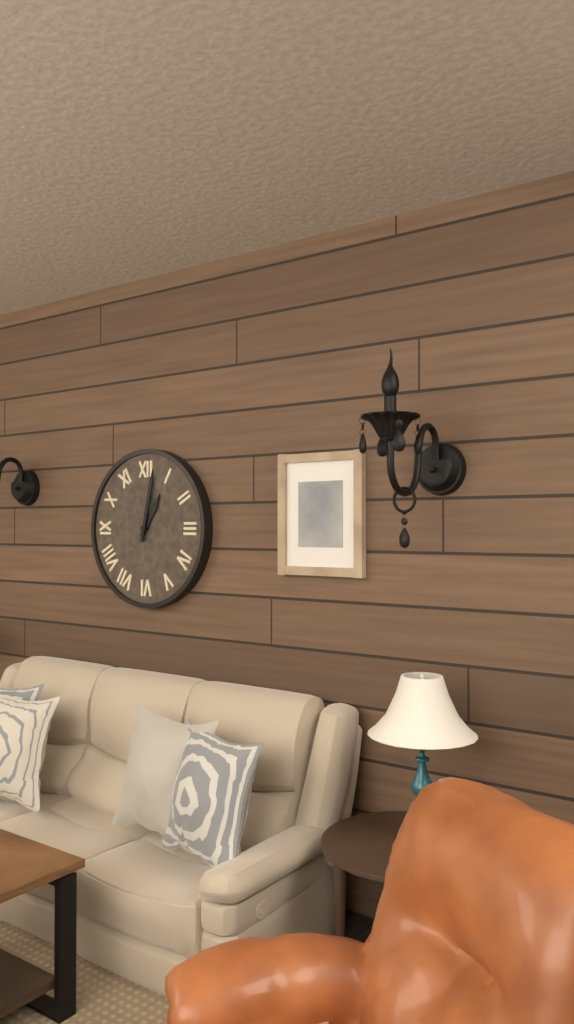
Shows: h=1 m=2
